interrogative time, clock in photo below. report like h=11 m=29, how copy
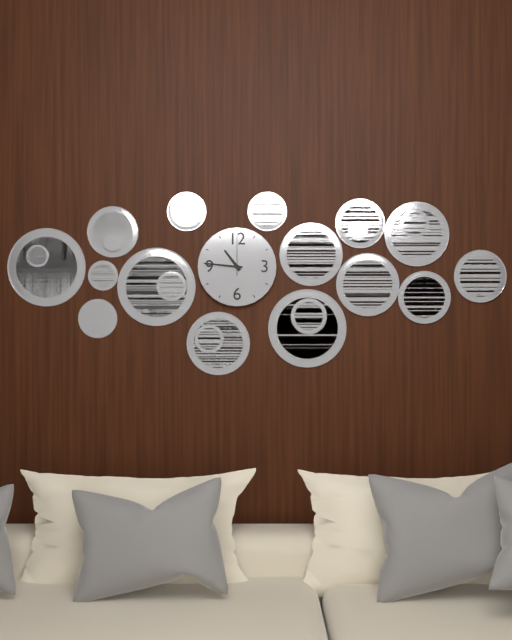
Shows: h=10 m=46
